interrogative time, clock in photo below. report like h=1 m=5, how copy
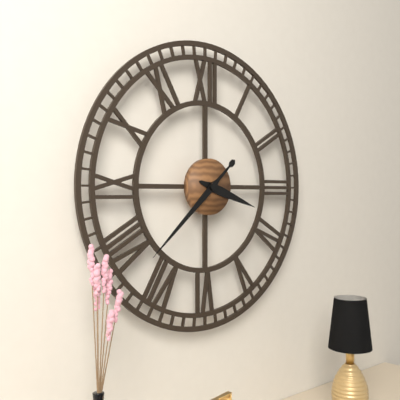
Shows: h=3 m=38
